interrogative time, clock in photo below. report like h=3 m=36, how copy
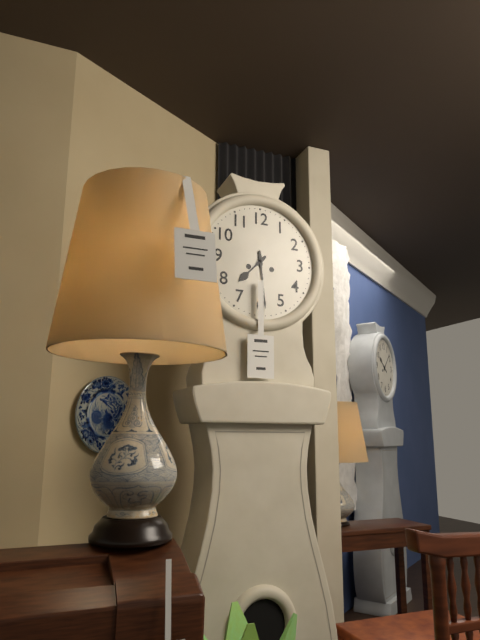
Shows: h=7 m=29
